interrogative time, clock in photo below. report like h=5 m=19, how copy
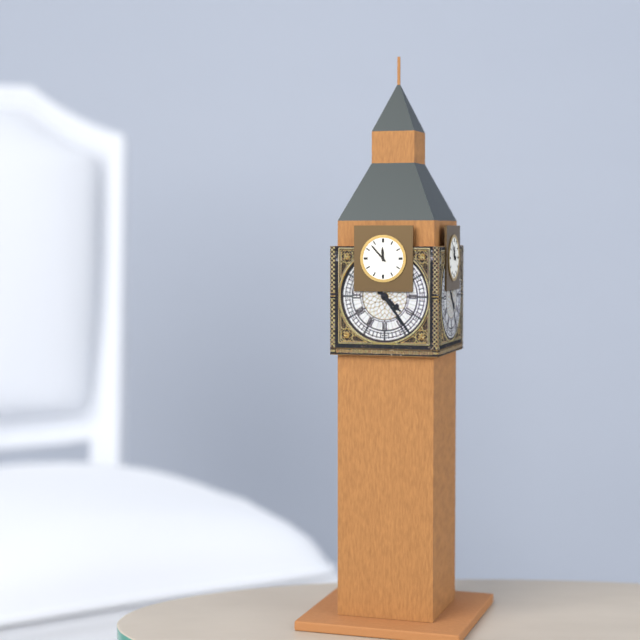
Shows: h=11 m=53
